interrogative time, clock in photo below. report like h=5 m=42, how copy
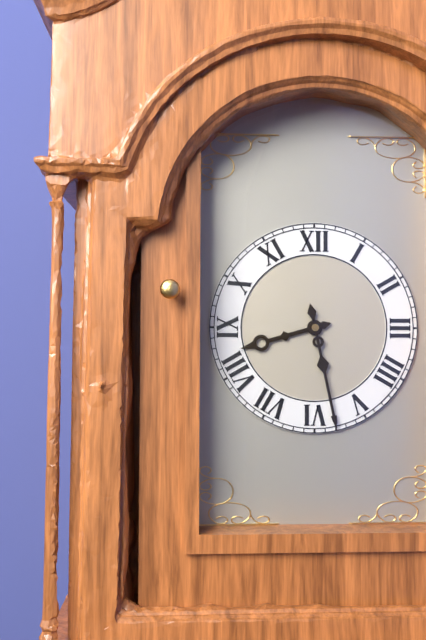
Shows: h=8 m=28
